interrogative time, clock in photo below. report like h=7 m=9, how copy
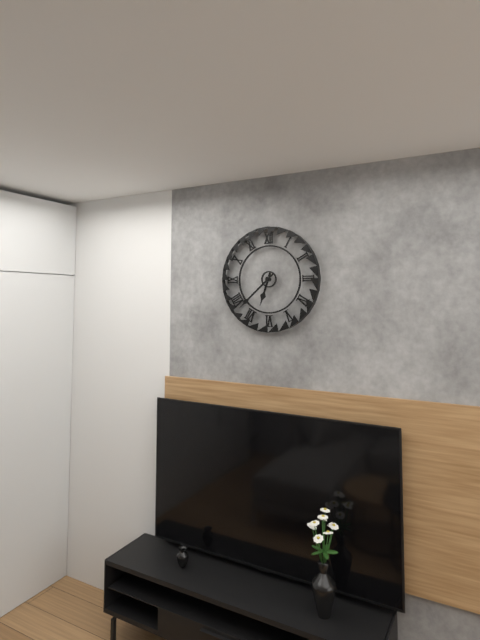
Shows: h=6 m=38
